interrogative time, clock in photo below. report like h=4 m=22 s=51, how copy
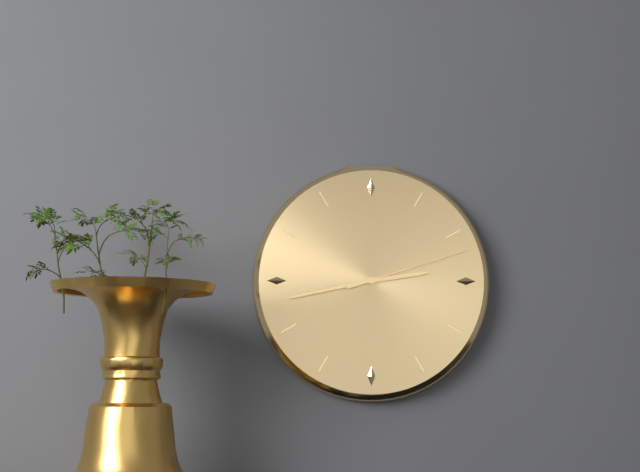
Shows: h=2 m=43 s=12
